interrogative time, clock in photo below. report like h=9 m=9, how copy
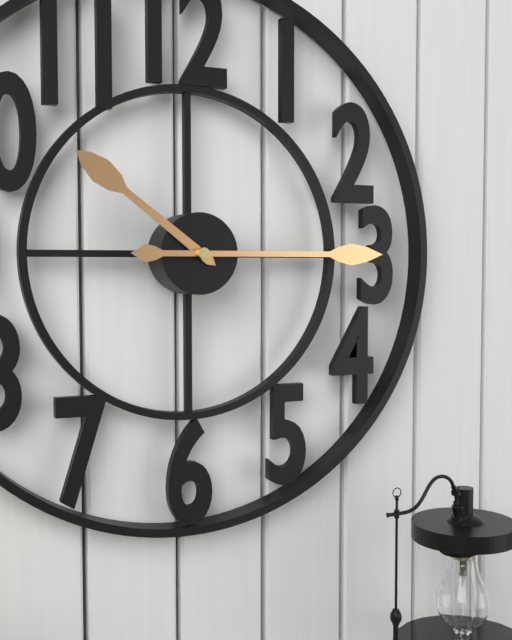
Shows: h=10 m=15
